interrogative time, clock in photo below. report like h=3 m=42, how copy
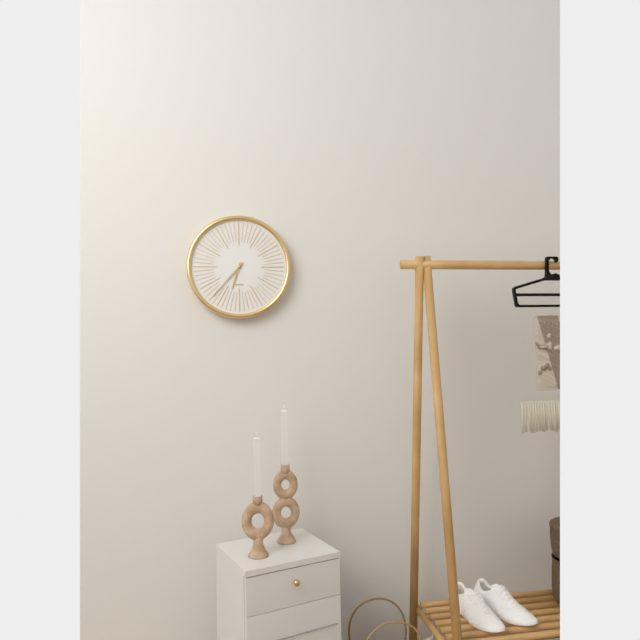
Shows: h=6 m=37
